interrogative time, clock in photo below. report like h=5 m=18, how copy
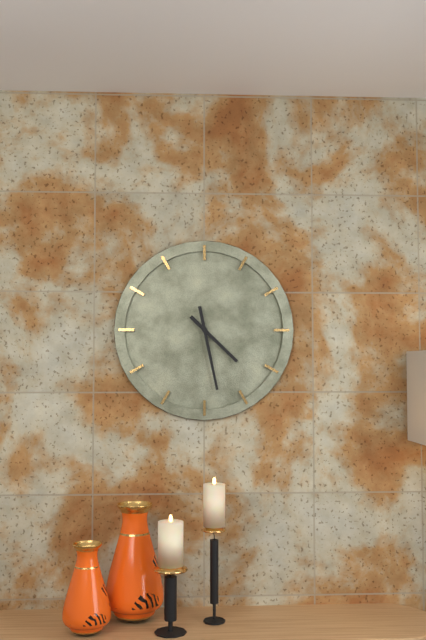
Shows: h=4 m=28
